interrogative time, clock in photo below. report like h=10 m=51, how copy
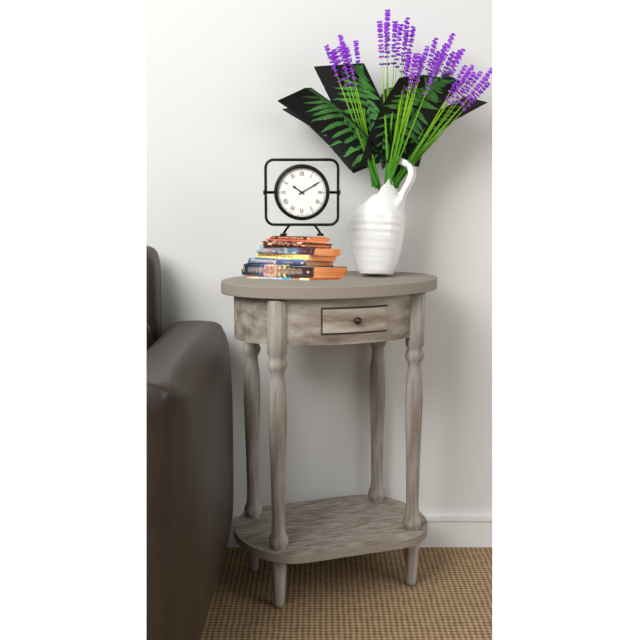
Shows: h=10 m=10
